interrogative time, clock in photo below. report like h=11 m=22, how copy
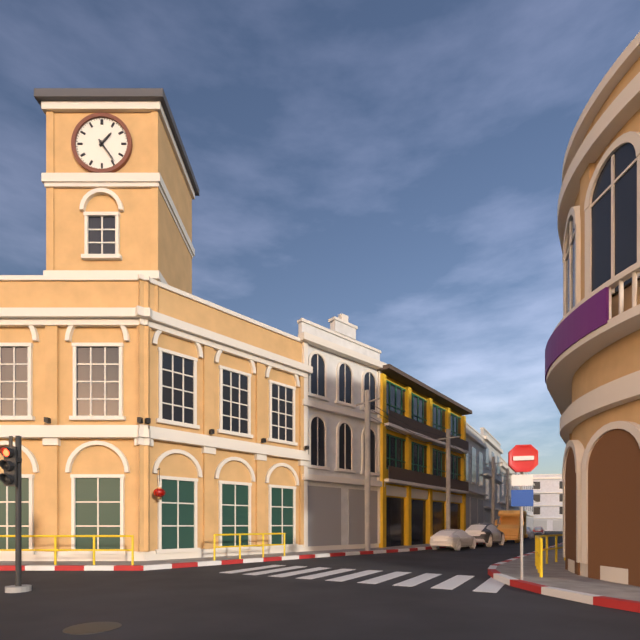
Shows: h=1 m=24
